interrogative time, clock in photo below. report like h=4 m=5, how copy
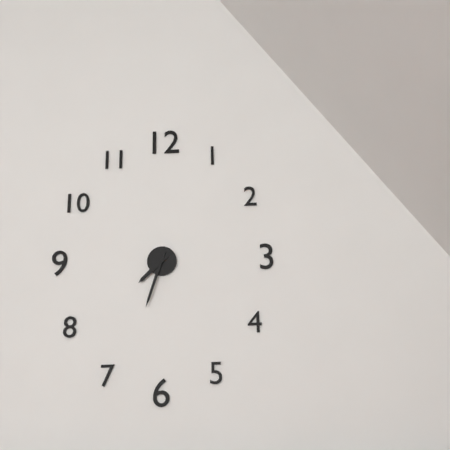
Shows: h=7 m=33
